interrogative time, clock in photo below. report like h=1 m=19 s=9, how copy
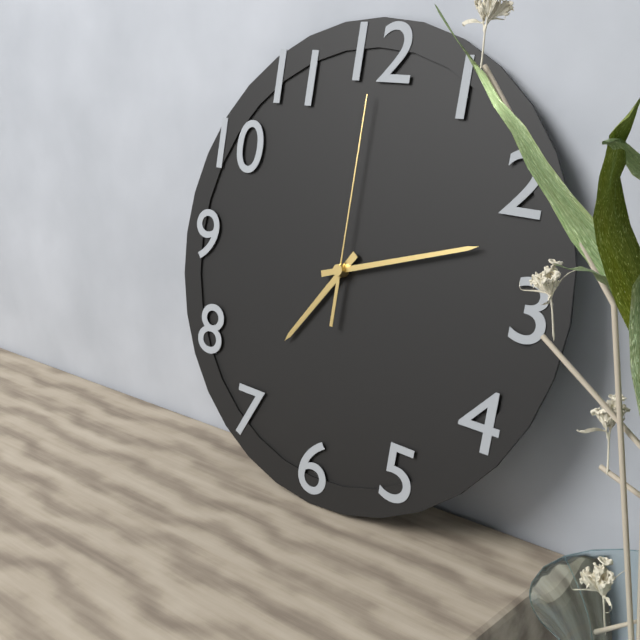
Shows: h=7 m=12 s=0
